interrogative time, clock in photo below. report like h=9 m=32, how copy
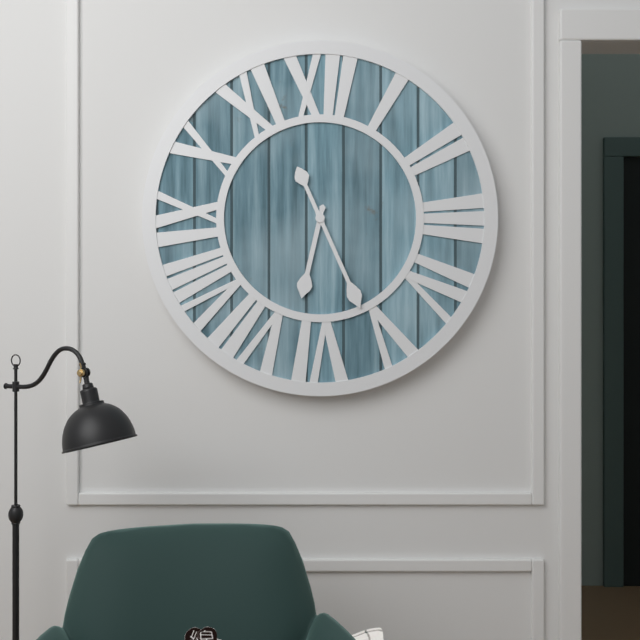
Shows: h=6 m=26
